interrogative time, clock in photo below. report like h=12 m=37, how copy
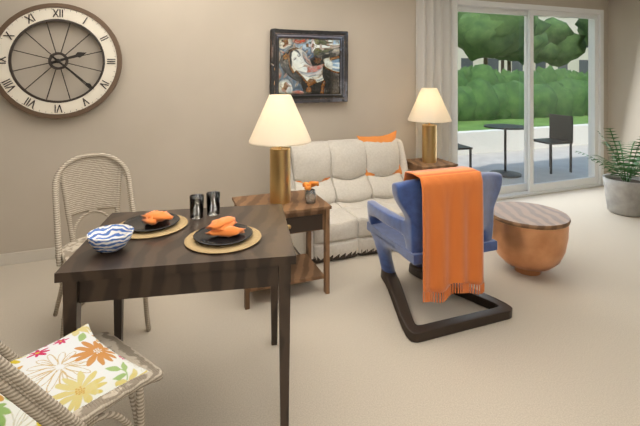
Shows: h=2 m=22
